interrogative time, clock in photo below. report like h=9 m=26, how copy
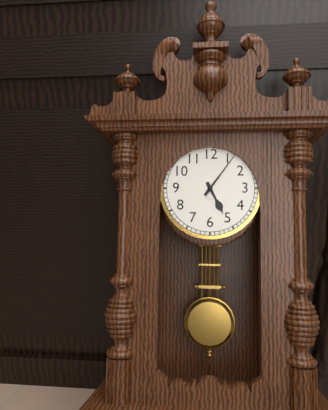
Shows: h=5 m=6
